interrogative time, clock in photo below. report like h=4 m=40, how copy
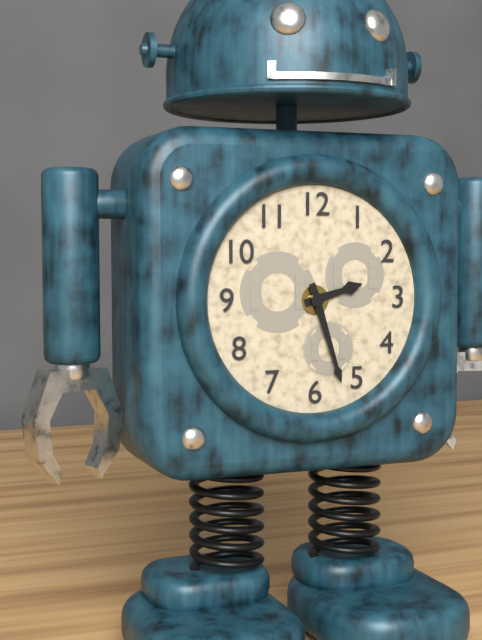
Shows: h=2 m=27
